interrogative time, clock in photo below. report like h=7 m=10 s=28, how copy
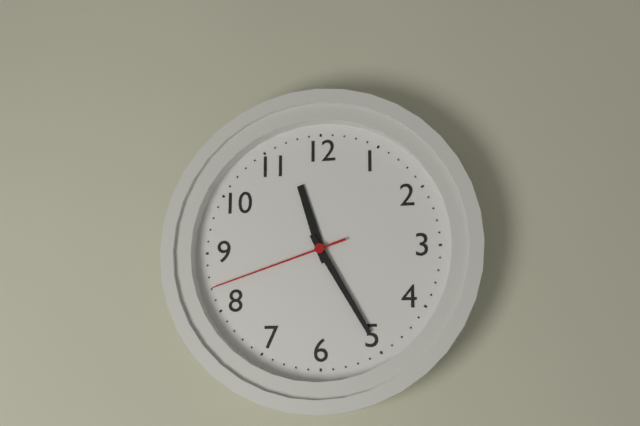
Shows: h=11 m=25 s=42
